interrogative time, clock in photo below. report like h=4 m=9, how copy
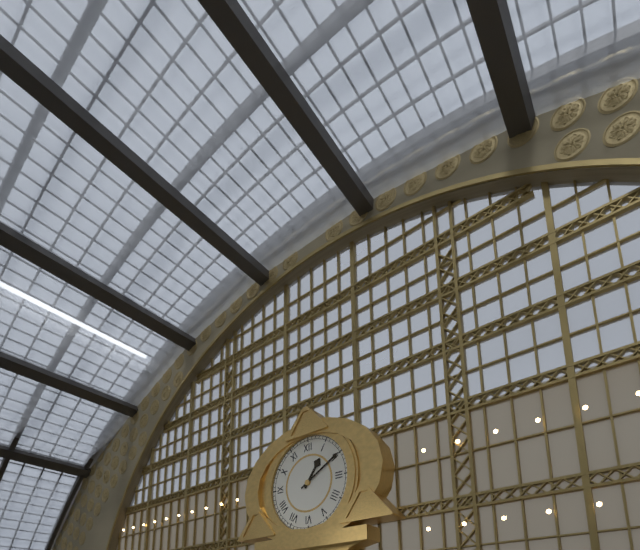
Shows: h=1 m=10
